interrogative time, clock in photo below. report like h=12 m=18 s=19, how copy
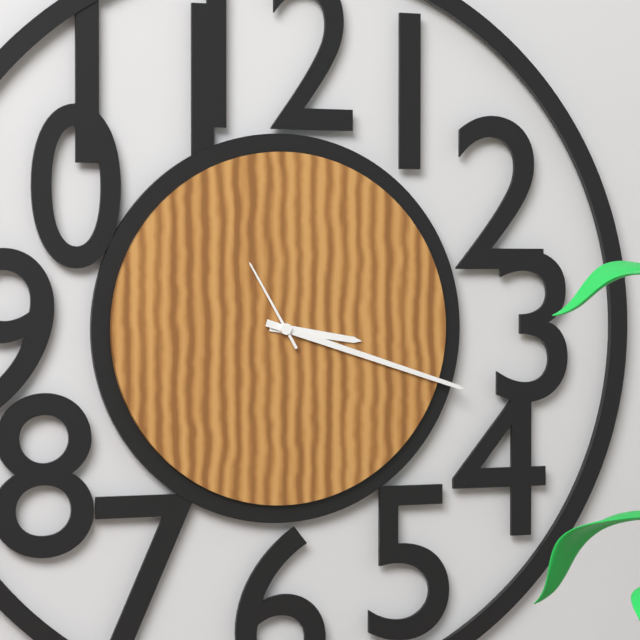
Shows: h=3 m=18 s=55
